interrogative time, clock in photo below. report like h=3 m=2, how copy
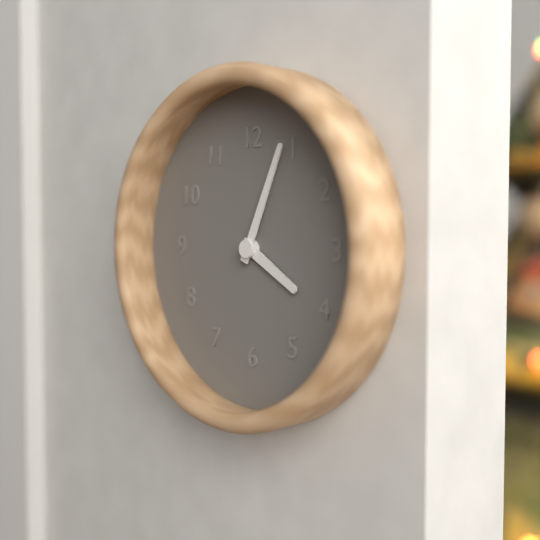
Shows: h=4 m=4
